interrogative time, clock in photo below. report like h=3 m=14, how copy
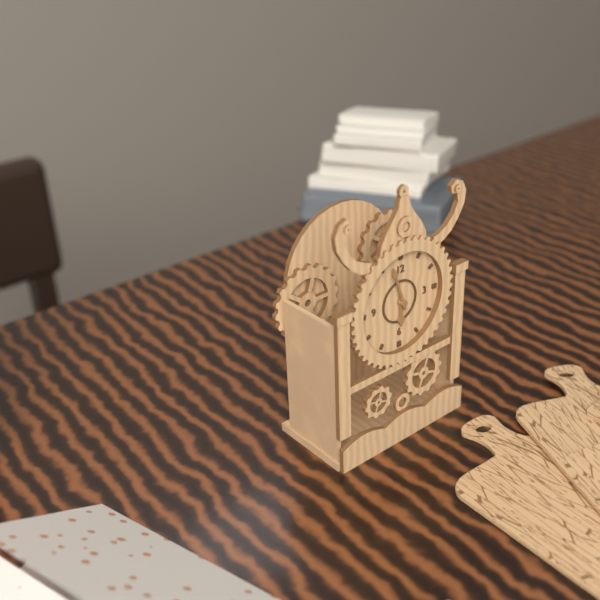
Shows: h=5 m=57
